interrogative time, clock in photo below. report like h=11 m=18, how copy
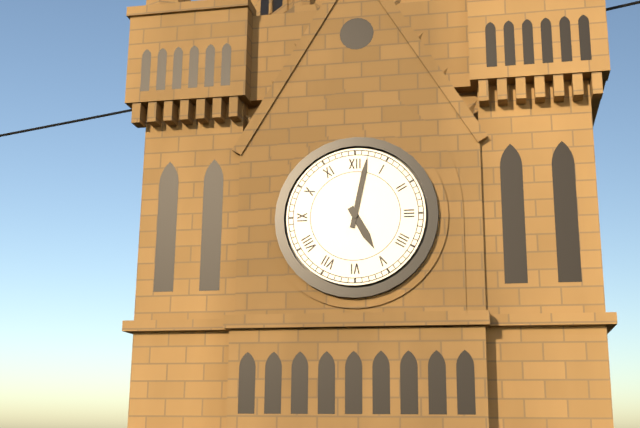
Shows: h=5 m=2
